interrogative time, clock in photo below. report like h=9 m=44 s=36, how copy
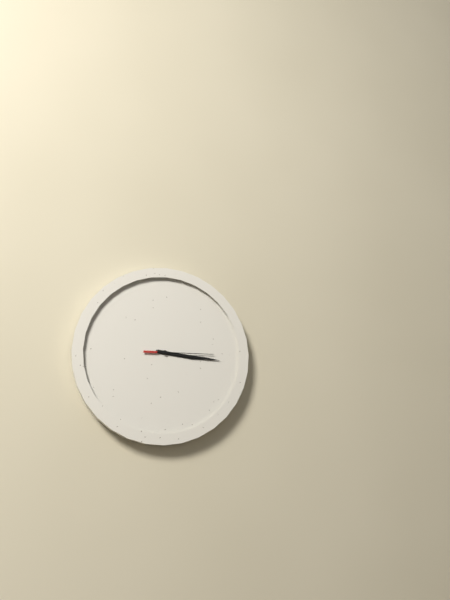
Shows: h=3 m=16 s=15
